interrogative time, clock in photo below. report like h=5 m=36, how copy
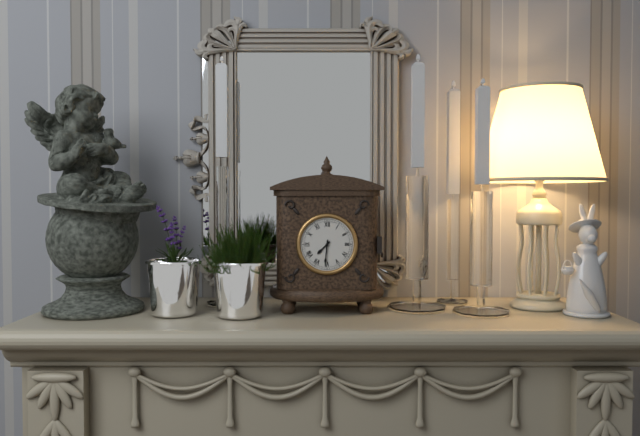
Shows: h=7 m=31
